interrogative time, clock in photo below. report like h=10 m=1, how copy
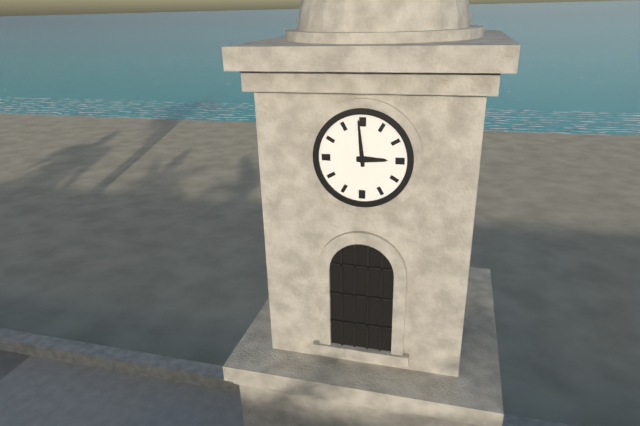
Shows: h=2 m=59
